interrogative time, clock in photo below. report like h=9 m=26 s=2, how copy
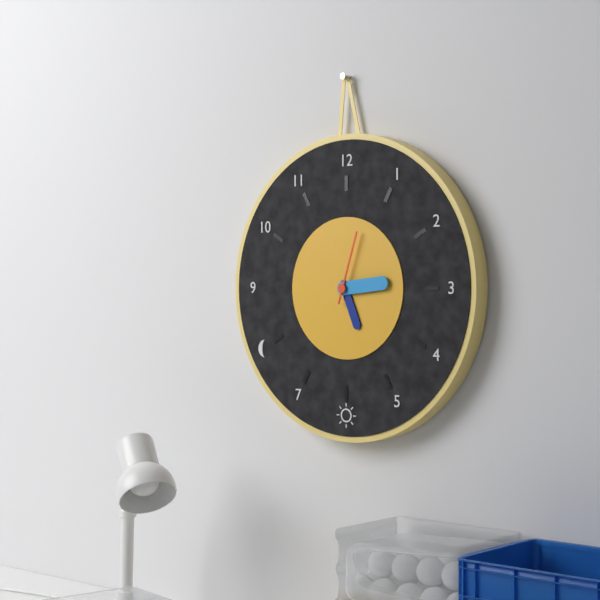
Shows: h=5 m=14 s=3
